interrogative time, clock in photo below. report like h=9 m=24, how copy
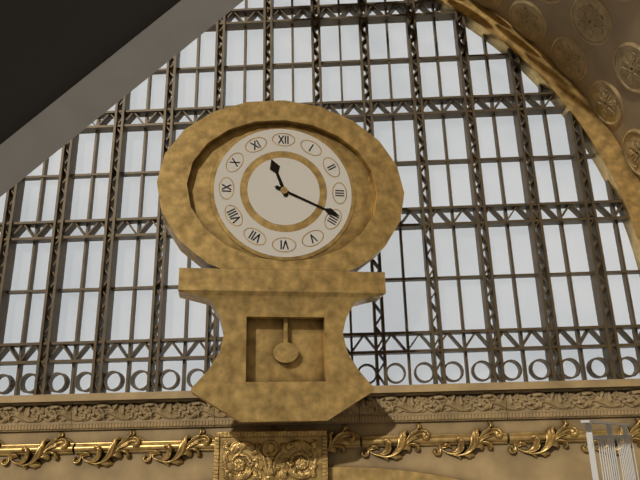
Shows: h=11 m=19
